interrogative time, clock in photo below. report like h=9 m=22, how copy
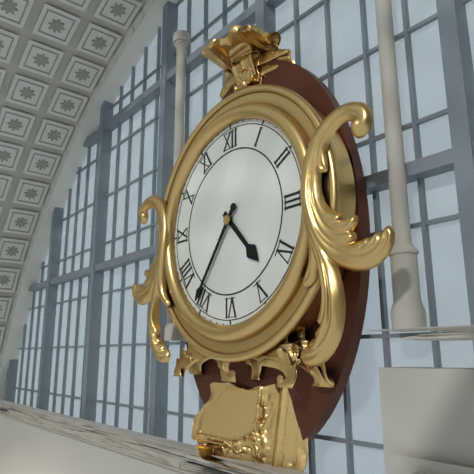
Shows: h=4 m=36
